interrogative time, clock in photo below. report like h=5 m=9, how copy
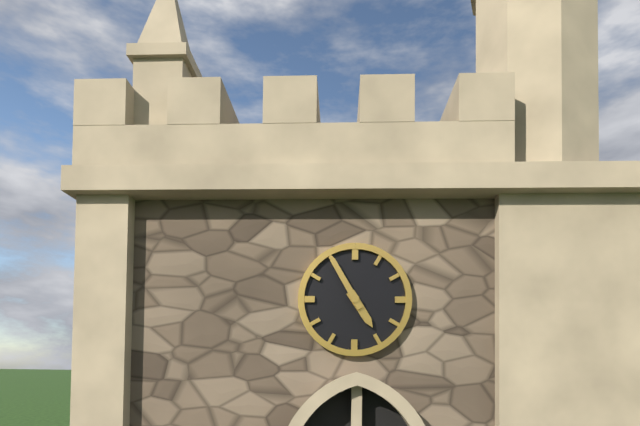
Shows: h=4 m=55
